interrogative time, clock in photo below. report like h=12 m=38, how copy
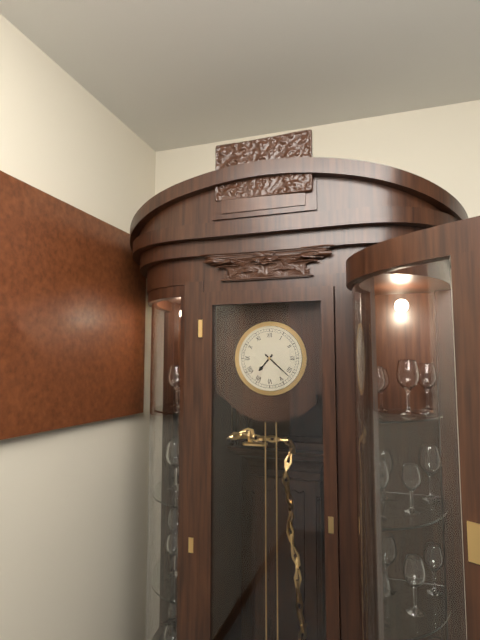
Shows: h=7 m=22
